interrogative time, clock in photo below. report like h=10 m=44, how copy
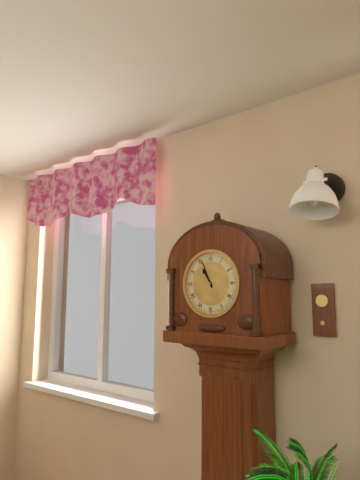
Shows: h=10 m=56
